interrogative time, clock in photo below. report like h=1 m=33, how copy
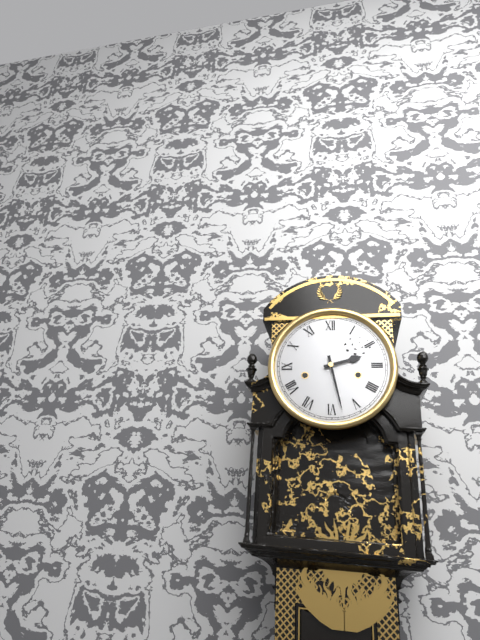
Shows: h=2 m=28
